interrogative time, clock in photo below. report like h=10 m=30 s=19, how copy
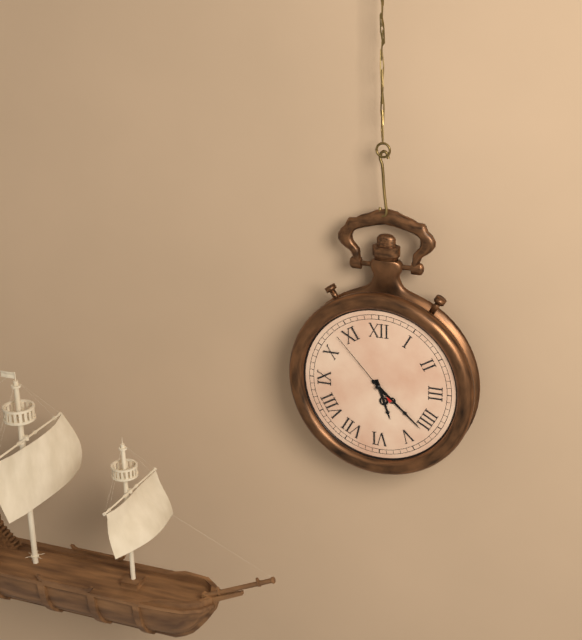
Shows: h=5 m=22 s=53
